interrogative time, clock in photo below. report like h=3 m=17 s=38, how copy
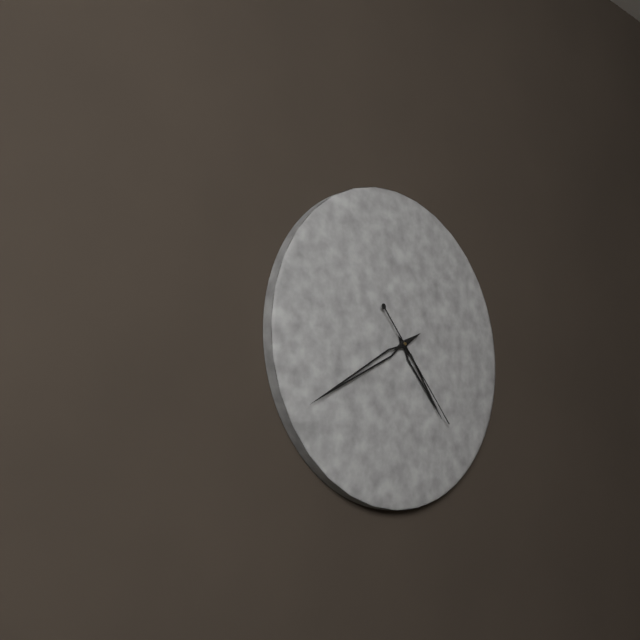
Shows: h=4 m=40 s=23
